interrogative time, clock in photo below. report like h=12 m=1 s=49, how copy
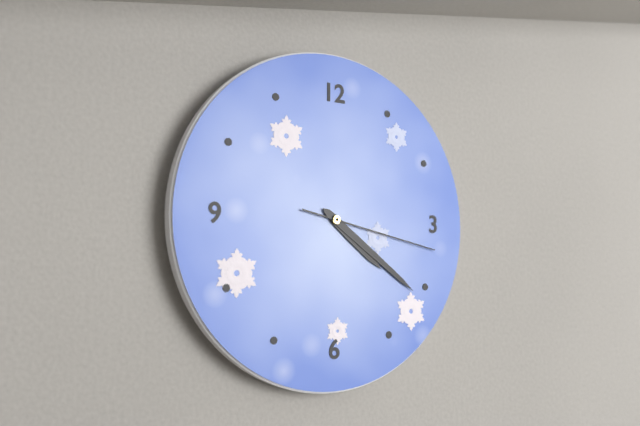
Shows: h=4 m=21 s=17
